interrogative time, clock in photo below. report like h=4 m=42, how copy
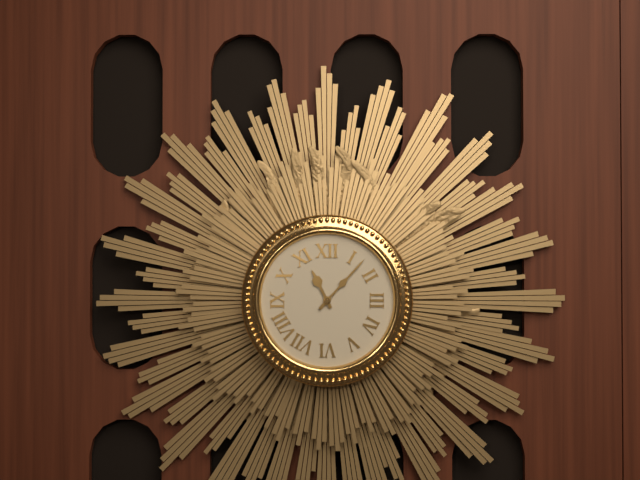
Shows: h=11 m=7
